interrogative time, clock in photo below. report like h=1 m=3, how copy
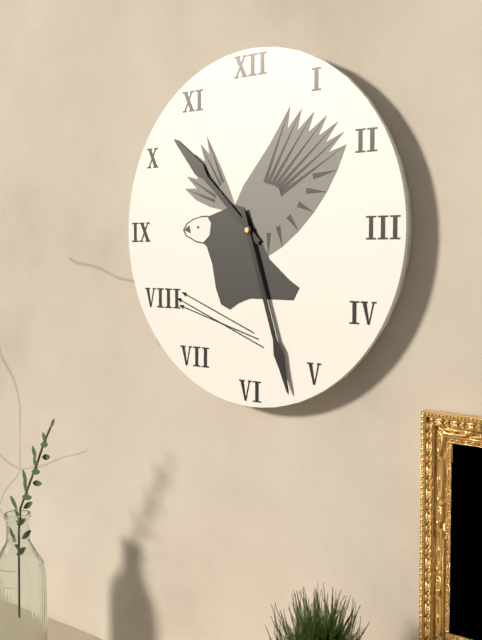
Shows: h=10 m=27
